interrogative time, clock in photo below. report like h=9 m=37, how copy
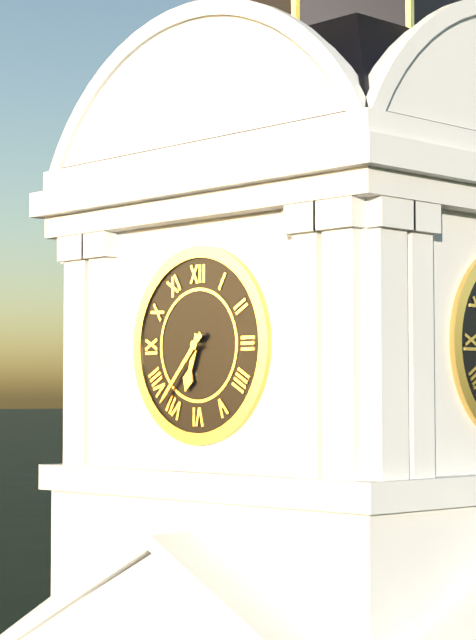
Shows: h=6 m=37
